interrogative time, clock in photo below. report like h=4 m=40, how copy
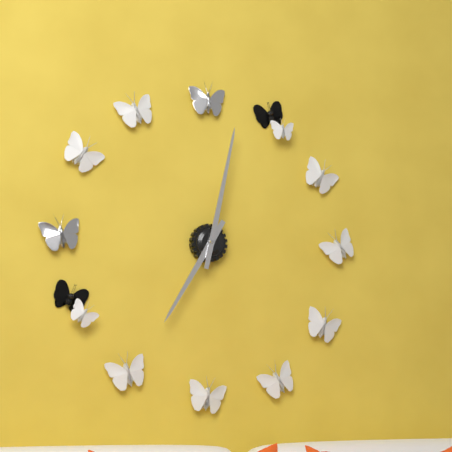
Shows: h=7 m=2
